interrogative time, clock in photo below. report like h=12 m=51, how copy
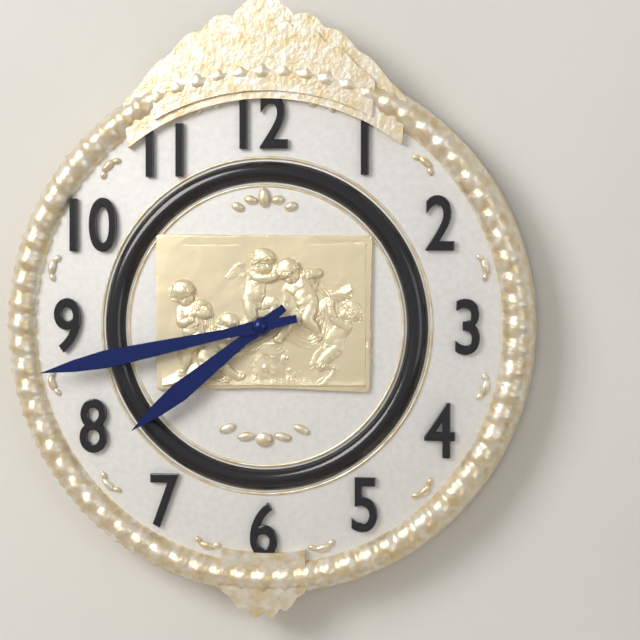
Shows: h=7 m=43
